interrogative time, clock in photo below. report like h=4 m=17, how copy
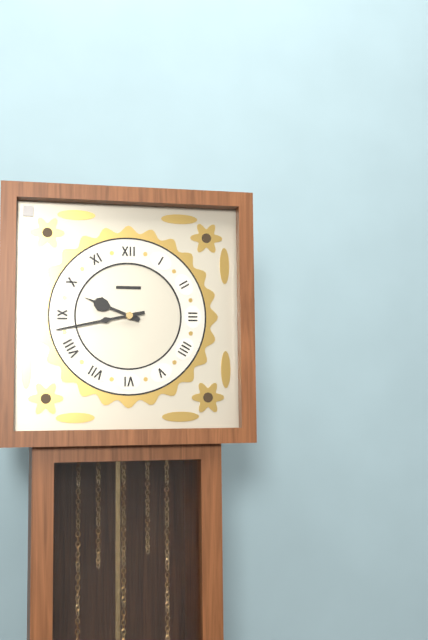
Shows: h=9 m=43
